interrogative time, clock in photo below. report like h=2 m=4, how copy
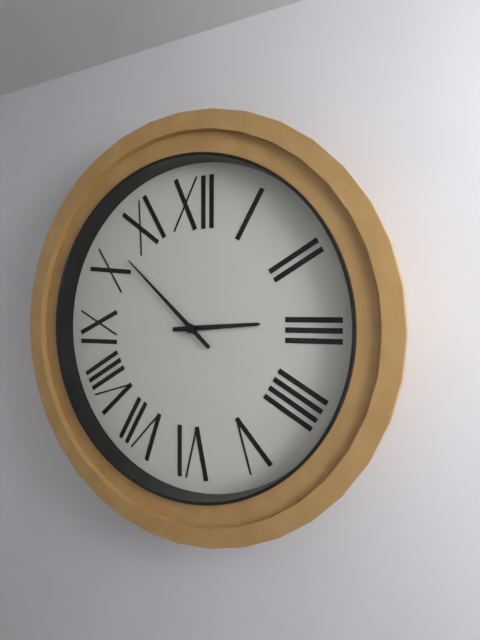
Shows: h=2 m=52
